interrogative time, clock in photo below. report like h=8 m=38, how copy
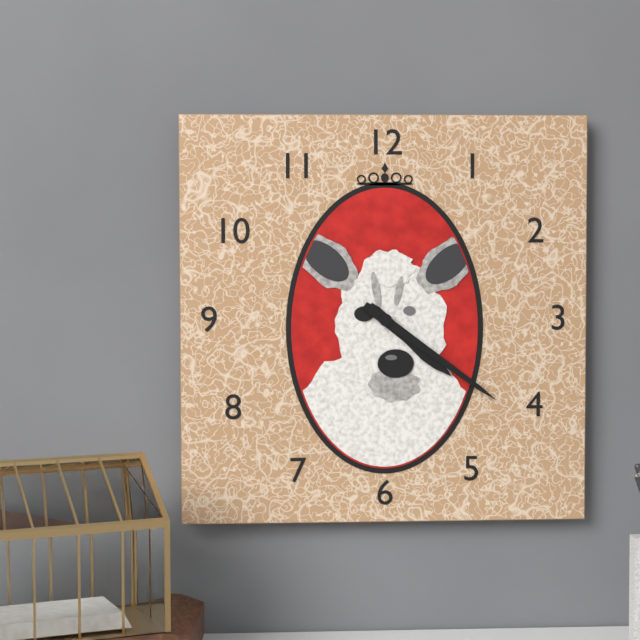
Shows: h=4 m=21
